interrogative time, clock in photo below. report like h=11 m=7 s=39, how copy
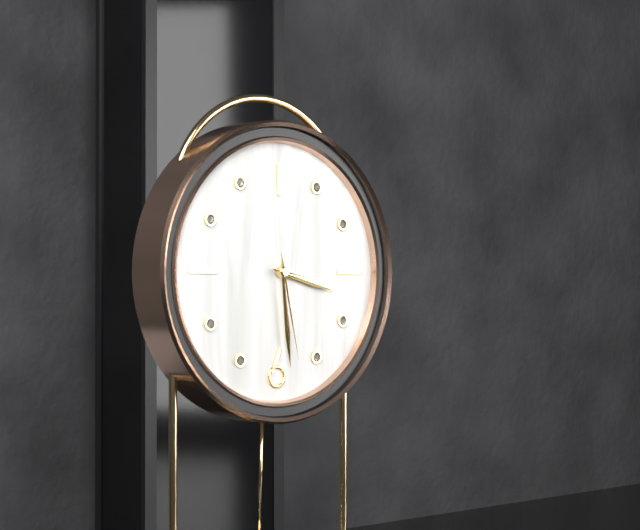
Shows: h=3 m=29 s=28
